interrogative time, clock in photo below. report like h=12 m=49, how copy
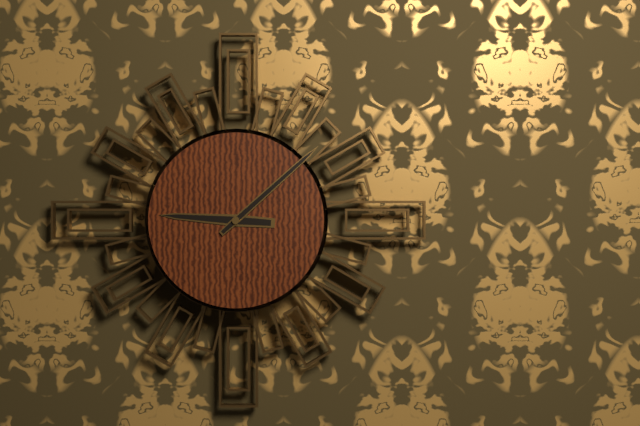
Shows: h=9 m=8
